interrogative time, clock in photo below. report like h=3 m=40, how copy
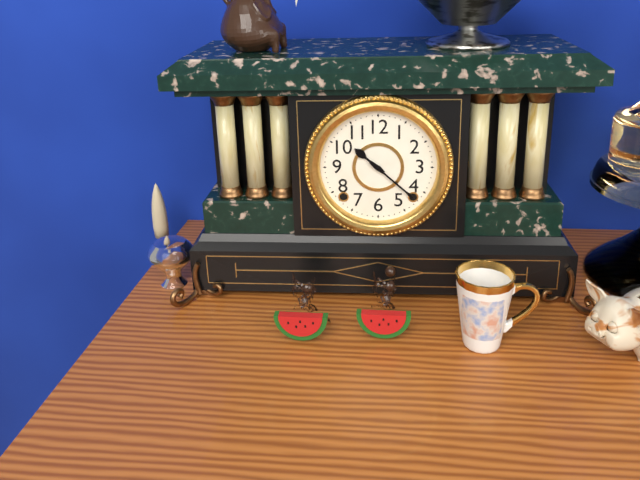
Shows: h=10 m=22
